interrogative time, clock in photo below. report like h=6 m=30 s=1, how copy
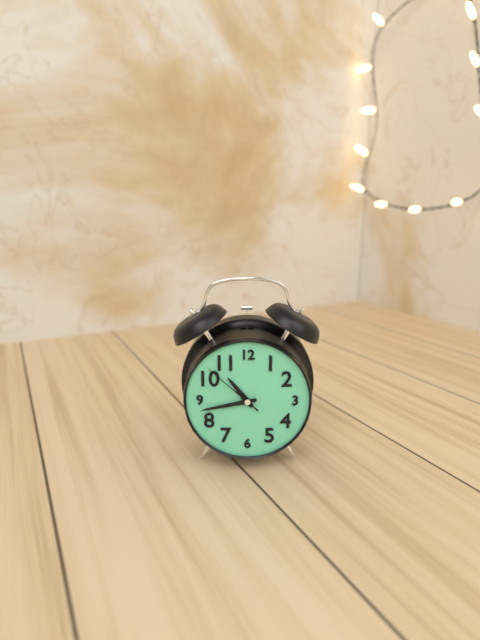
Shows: h=10 m=43 s=52
